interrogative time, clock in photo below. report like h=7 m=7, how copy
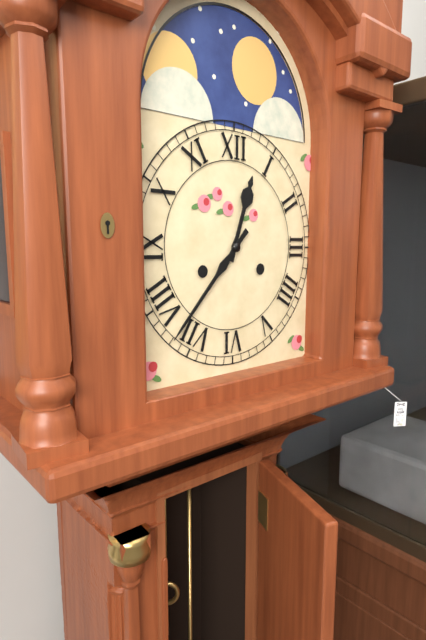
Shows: h=12 m=37
